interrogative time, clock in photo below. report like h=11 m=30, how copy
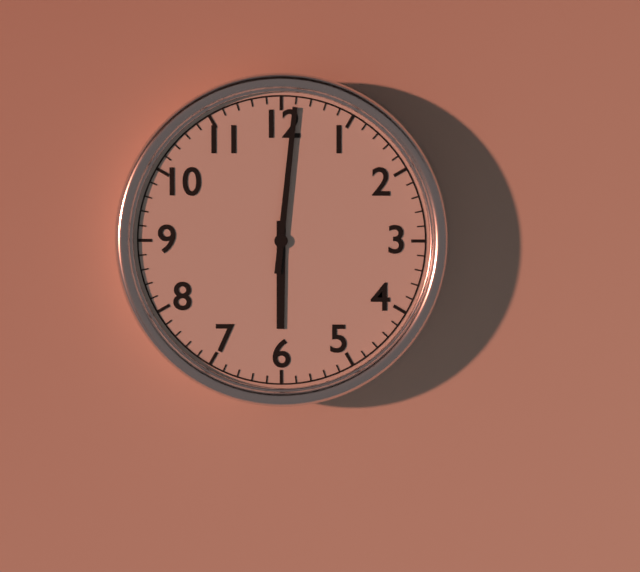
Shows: h=6 m=1
